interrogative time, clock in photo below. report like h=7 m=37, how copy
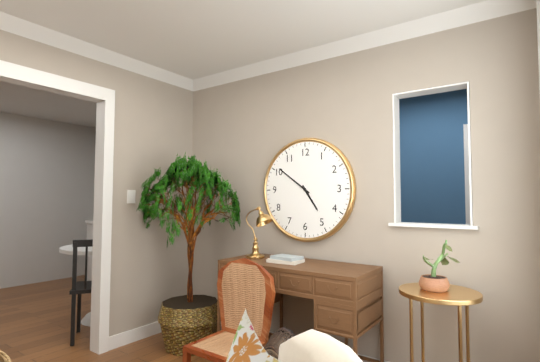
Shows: h=4 m=51
